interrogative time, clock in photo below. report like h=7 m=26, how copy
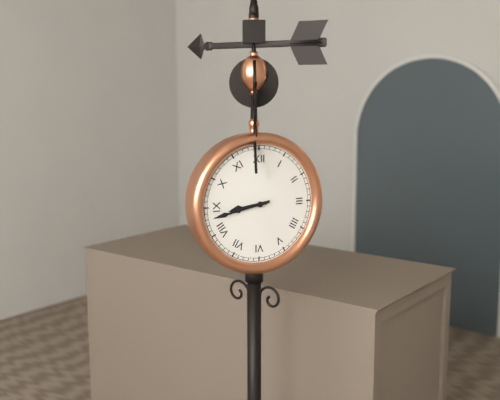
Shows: h=8 m=43
